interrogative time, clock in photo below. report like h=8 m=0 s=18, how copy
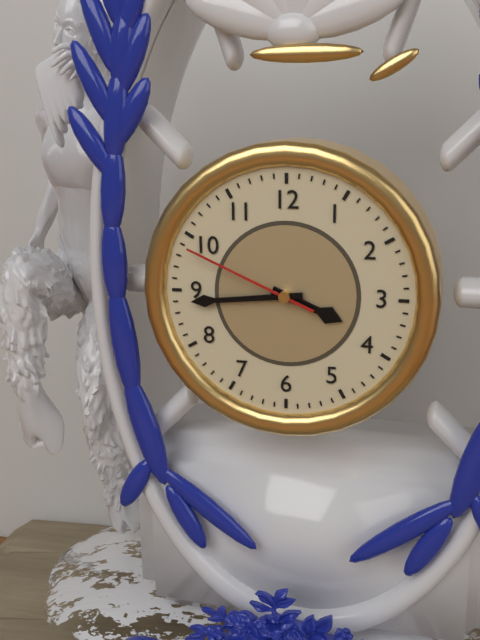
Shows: h=3 m=44 s=49
